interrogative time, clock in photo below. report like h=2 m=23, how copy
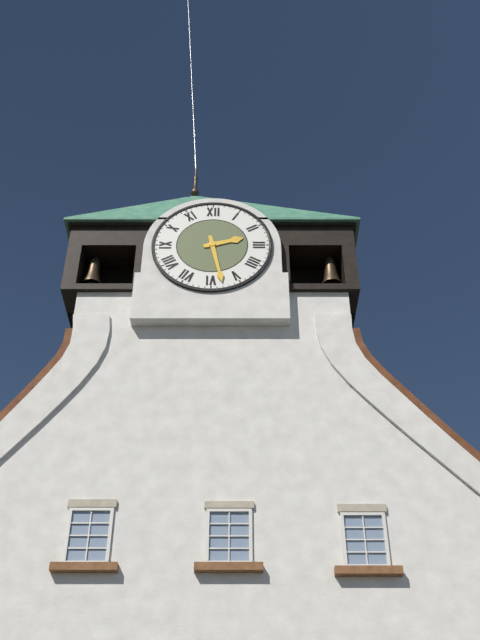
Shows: h=2 m=28
